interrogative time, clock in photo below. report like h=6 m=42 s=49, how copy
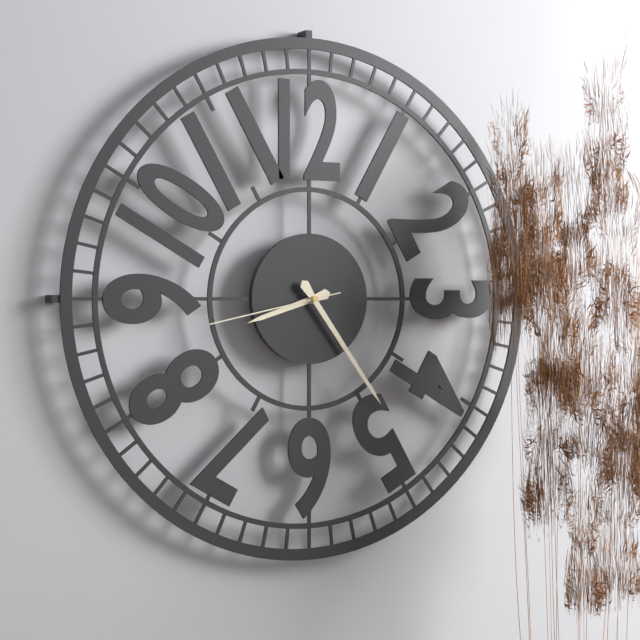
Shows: h=8 m=24 s=43
